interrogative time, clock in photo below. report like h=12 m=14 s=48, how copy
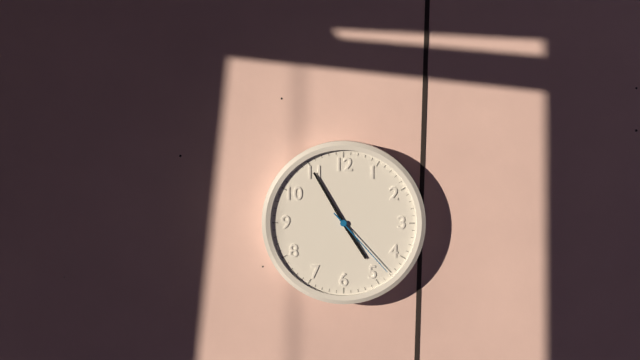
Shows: h=4 m=55 s=23
